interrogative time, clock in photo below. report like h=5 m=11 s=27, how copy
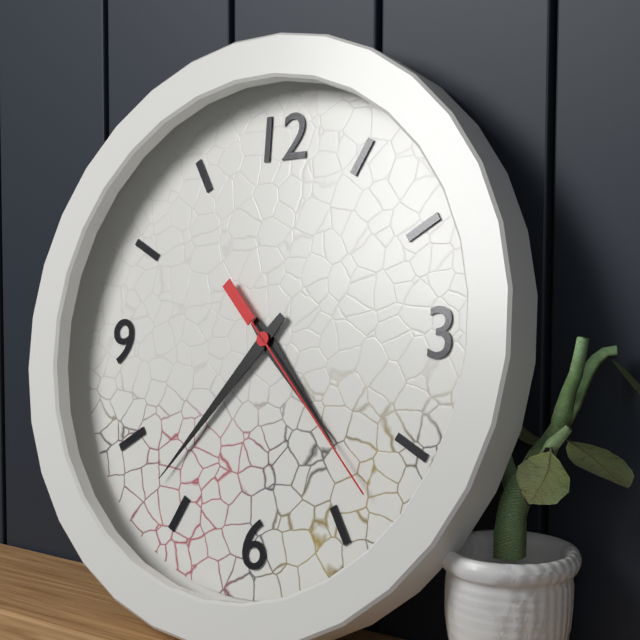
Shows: h=4 m=37 s=23
